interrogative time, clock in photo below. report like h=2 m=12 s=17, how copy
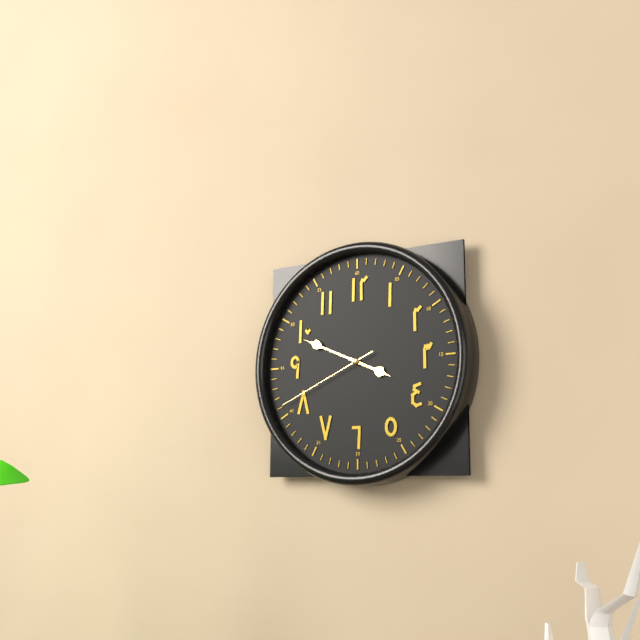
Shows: h=3 m=49 s=41
